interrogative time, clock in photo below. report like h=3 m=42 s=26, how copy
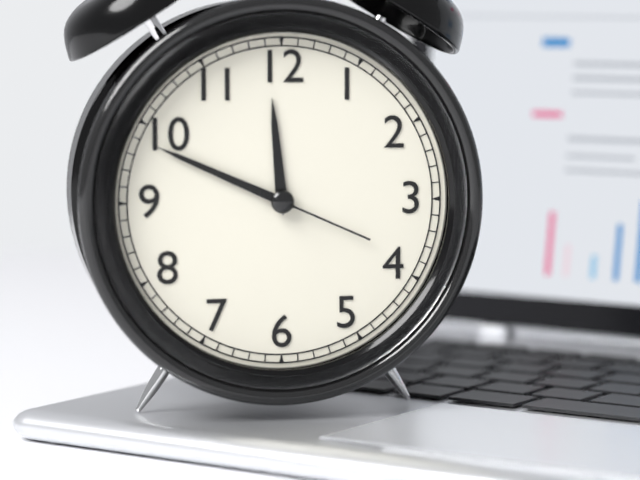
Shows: h=11 m=49 s=19
